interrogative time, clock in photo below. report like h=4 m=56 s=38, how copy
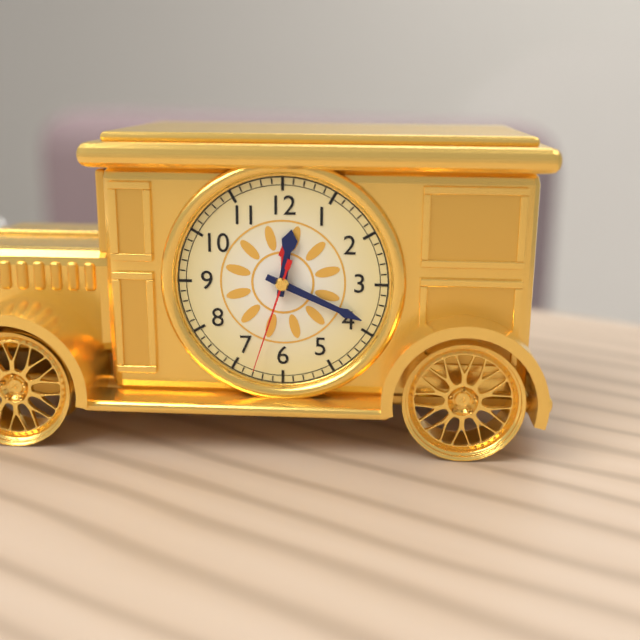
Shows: h=12 m=19 s=33
